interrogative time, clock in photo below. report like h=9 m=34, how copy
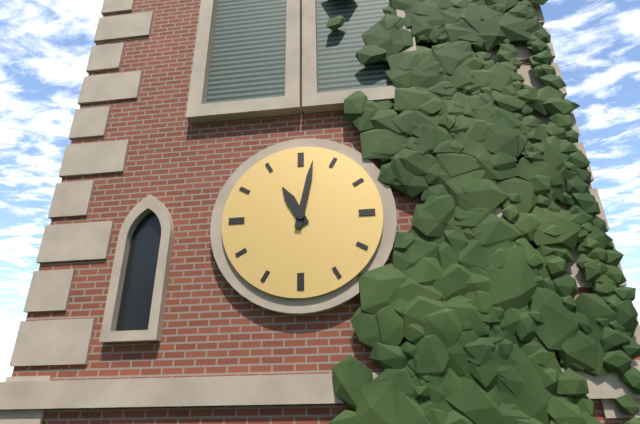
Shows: h=11 m=2
